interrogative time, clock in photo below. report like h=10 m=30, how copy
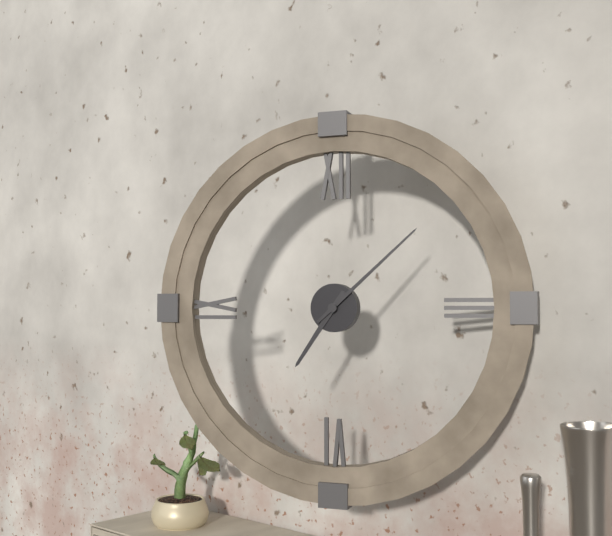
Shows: h=7 m=8
